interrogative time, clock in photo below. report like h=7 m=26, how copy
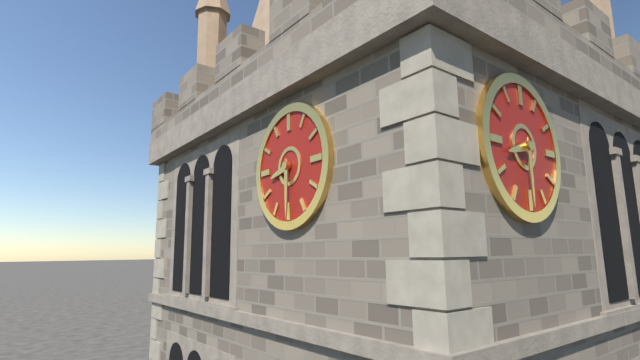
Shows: h=8 m=30
